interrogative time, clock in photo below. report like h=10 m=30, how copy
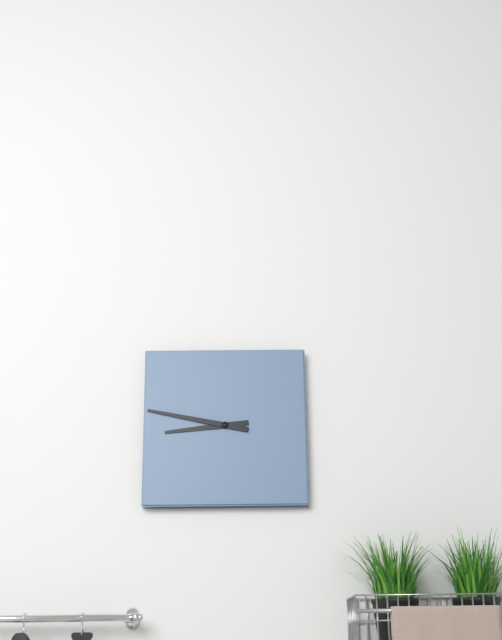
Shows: h=8 m=47
